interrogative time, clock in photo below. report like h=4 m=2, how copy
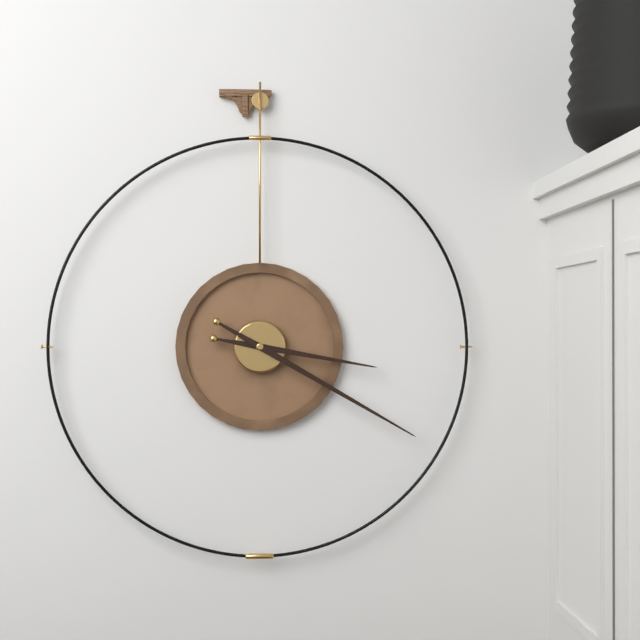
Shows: h=3 m=20
